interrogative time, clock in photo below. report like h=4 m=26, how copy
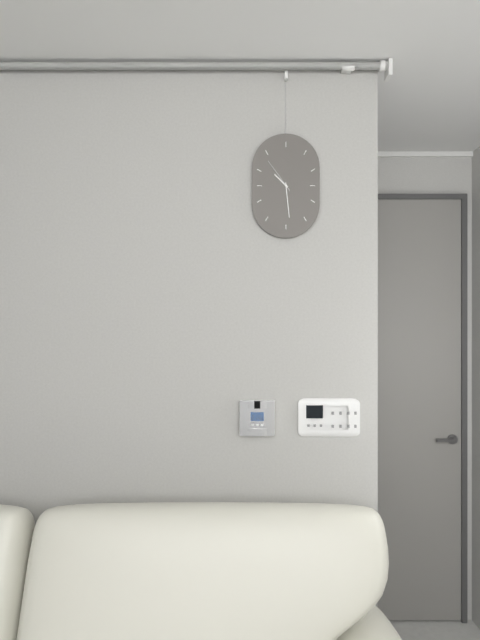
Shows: h=10 m=29
